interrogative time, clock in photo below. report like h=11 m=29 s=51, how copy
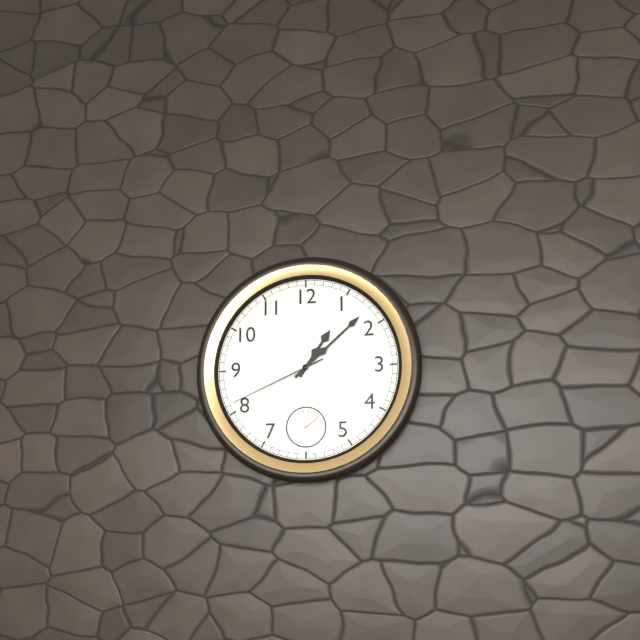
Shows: h=1 m=8 s=41
